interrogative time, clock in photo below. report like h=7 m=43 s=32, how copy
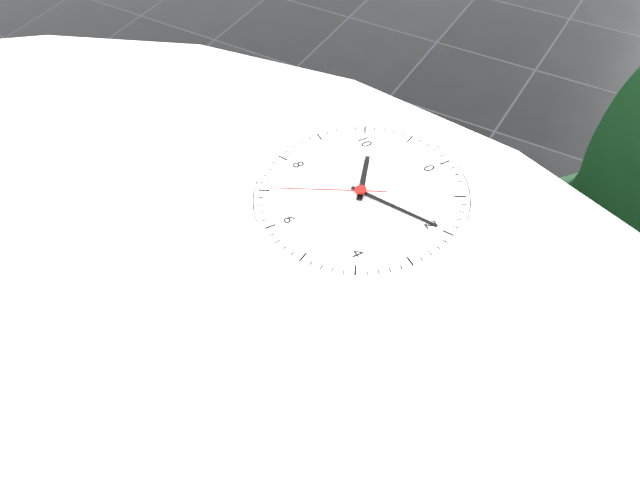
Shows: h=10 m=10 s=35
